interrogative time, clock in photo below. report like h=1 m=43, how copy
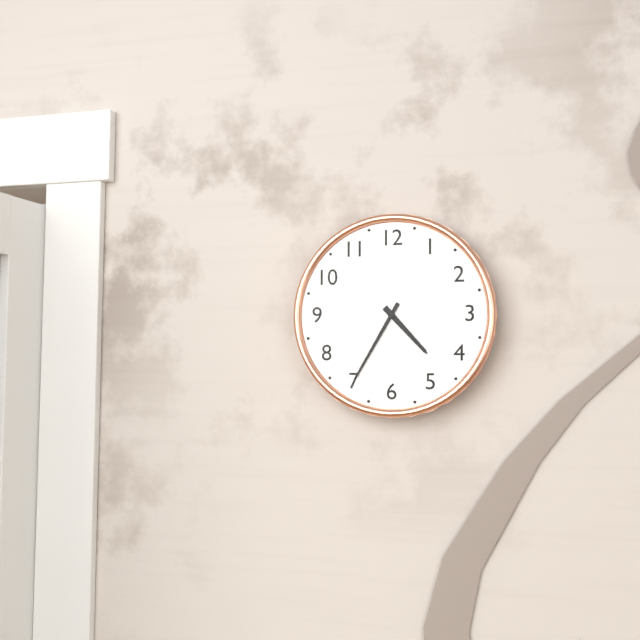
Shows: h=4 m=35
